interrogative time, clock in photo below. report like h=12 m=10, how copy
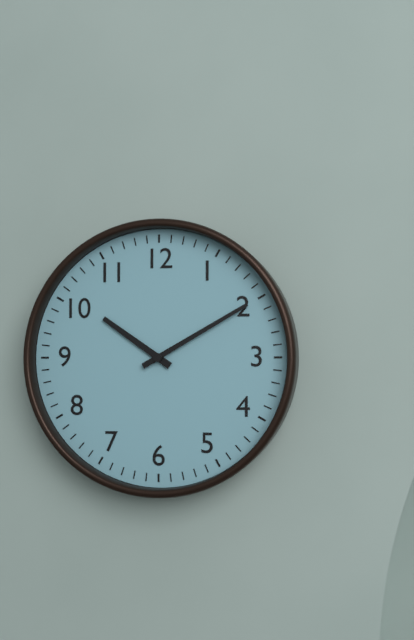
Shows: h=10 m=10
